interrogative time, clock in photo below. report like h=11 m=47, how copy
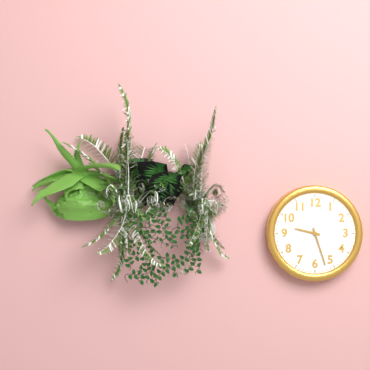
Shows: h=9 m=27
